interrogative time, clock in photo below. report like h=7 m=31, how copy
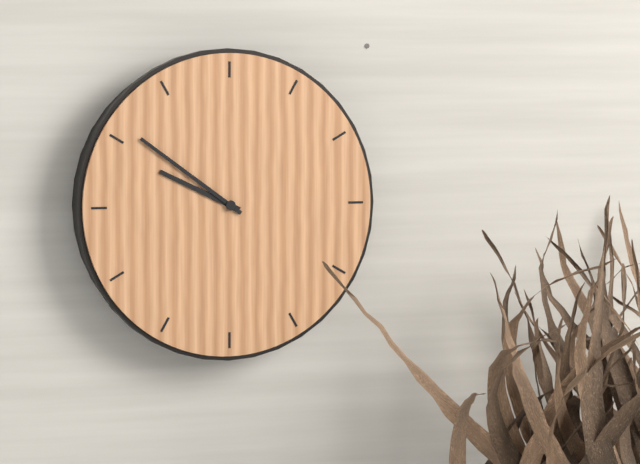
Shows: h=9 m=51
